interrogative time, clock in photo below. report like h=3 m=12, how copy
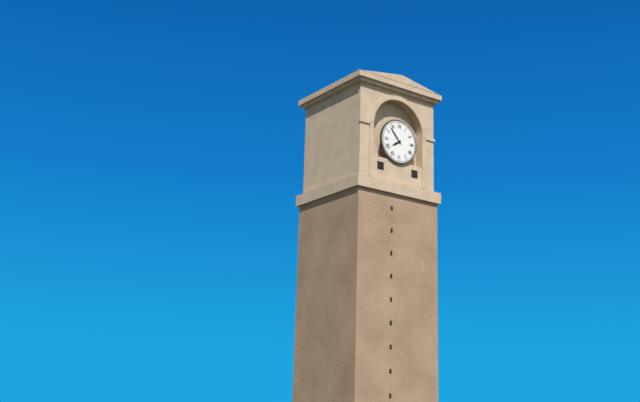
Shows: h=7 m=53
